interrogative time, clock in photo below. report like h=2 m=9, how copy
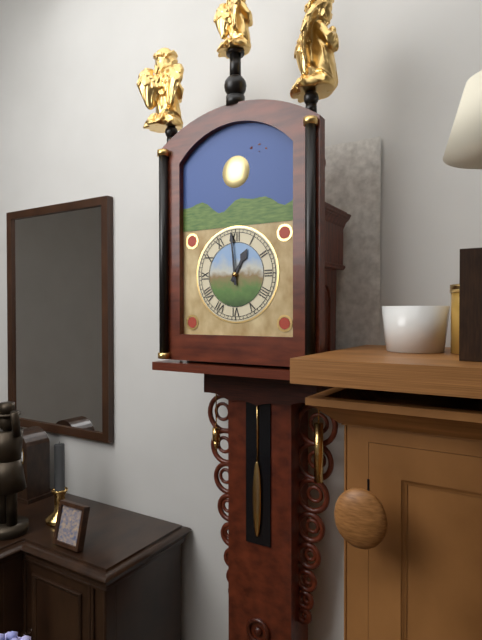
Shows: h=12 m=59
